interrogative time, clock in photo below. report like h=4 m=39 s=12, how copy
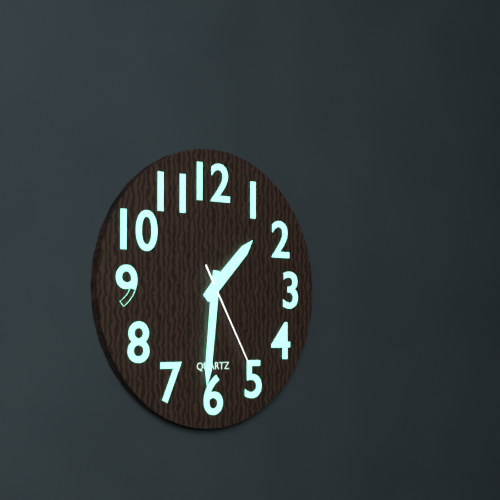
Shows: h=1 m=31 s=25
